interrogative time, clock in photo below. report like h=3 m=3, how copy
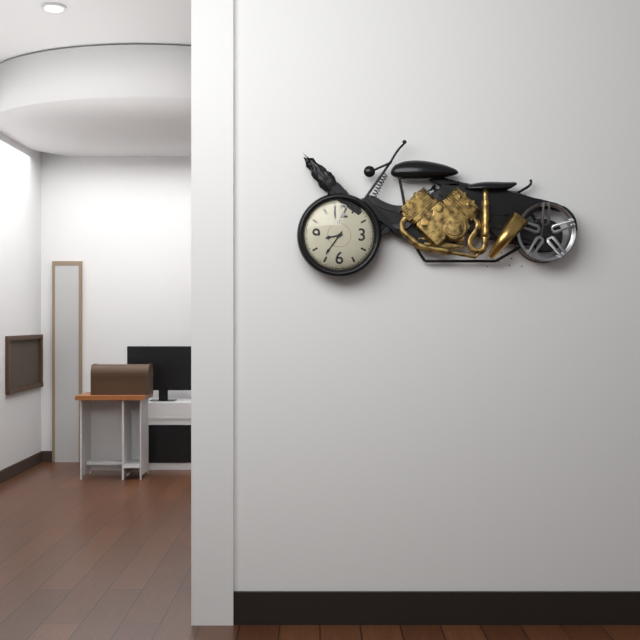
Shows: h=8 m=36
